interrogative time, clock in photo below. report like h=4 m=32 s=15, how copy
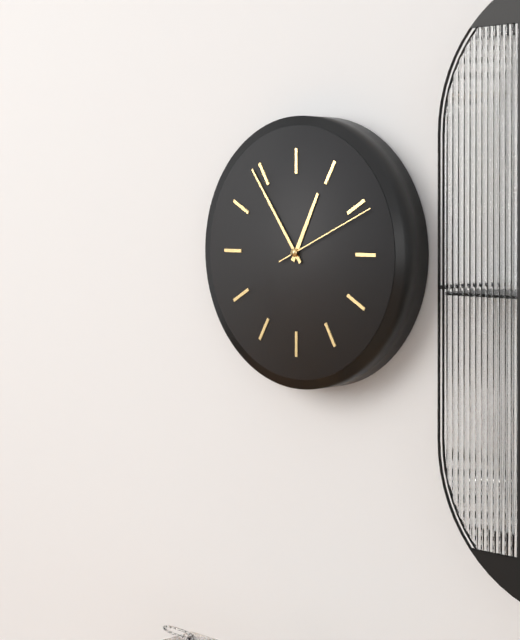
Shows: h=12 m=54 s=11
